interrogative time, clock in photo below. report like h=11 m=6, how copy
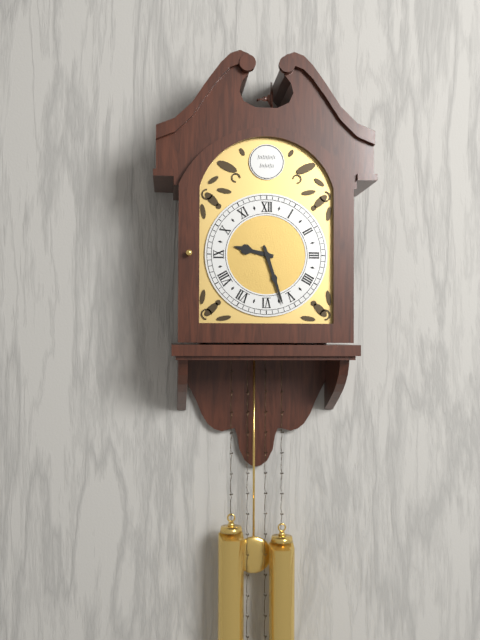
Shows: h=9 m=27
